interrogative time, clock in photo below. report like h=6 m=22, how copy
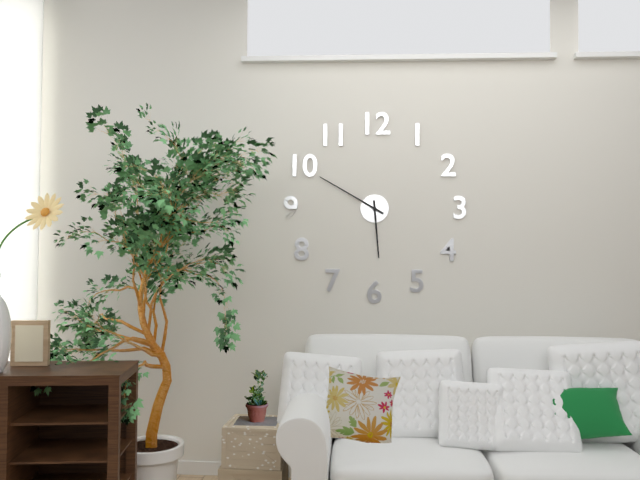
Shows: h=5 m=50
